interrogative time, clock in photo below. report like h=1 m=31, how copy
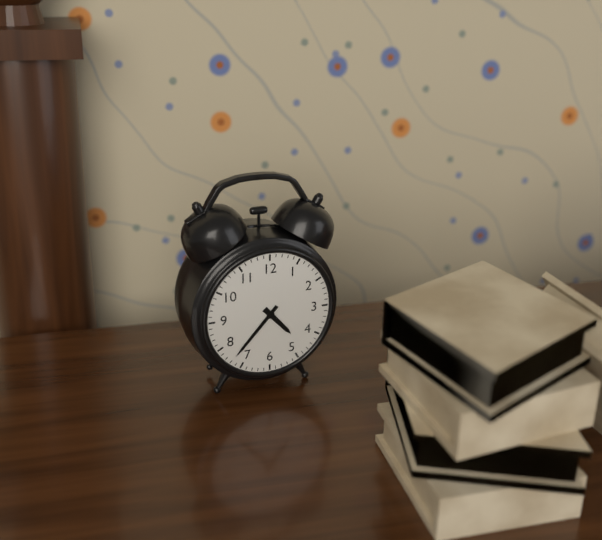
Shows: h=4 m=37
